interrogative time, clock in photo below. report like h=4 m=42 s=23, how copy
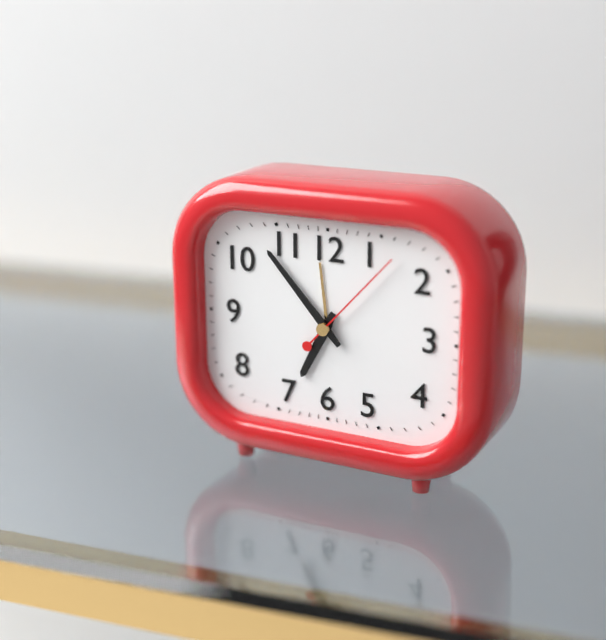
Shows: h=6 m=53 s=7
